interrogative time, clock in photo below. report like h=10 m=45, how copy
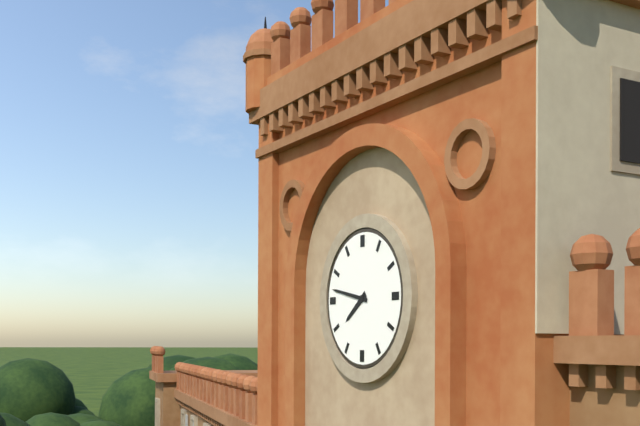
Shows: h=7 m=47
